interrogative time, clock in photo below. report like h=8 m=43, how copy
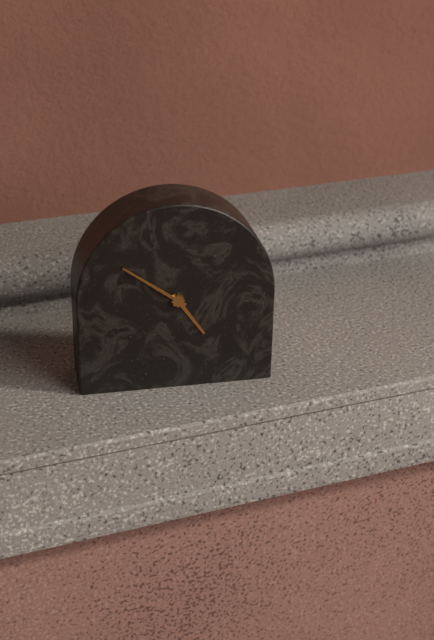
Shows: h=4 m=51
